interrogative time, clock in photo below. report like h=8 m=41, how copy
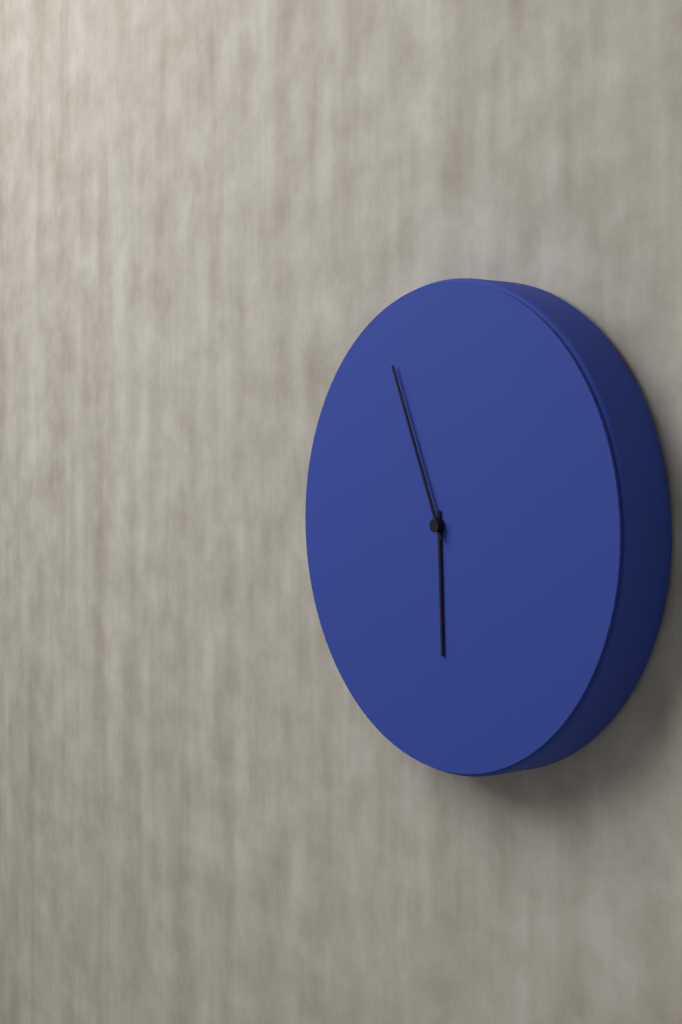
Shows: h=5 m=56
